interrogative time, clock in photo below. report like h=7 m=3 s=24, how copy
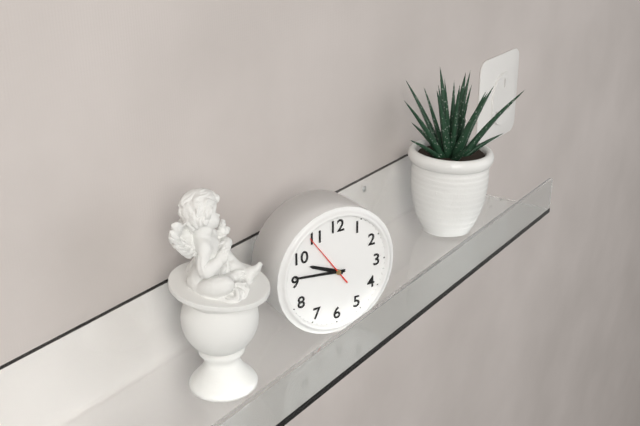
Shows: h=9 m=46 s=54
